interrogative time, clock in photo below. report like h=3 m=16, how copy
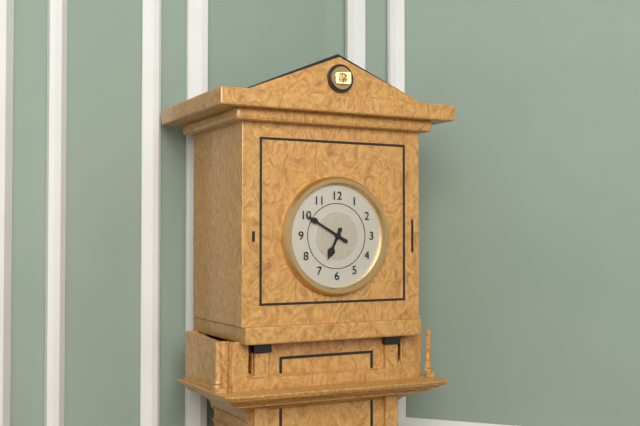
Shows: h=6 m=50
